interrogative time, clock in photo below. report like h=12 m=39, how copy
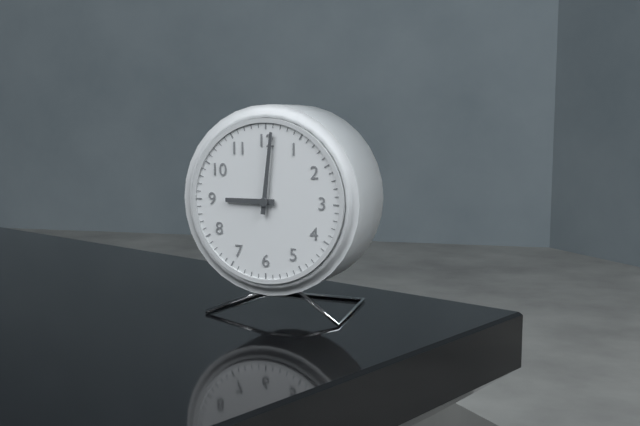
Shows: h=9 m=1
